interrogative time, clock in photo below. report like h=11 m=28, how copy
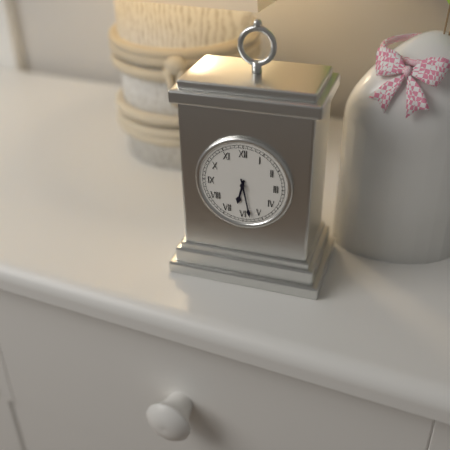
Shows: h=6 m=28
